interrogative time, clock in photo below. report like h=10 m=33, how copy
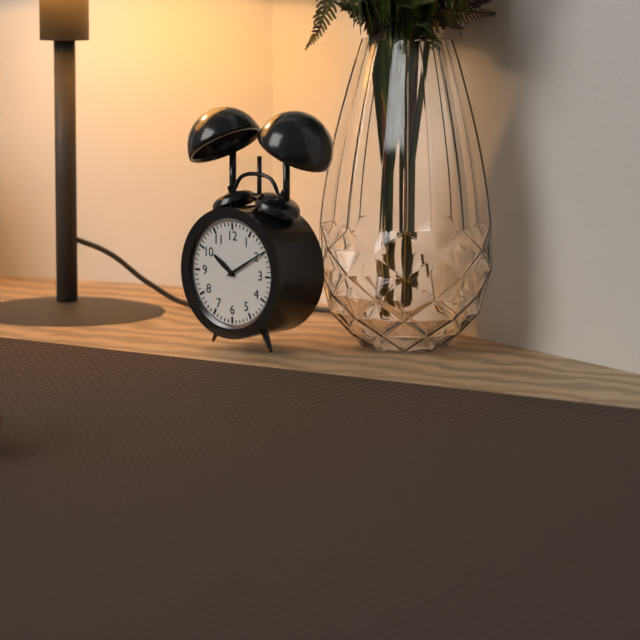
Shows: h=10 m=10
